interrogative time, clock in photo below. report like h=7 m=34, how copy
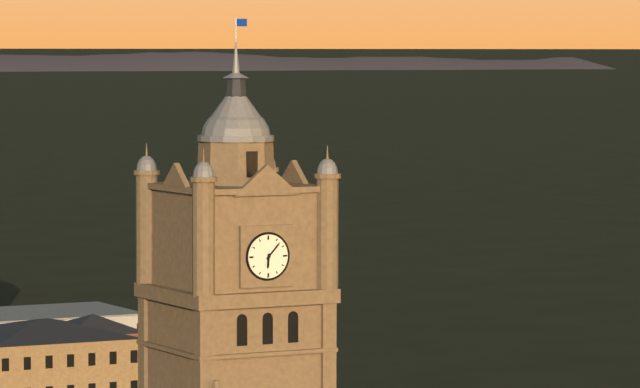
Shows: h=6 m=7
